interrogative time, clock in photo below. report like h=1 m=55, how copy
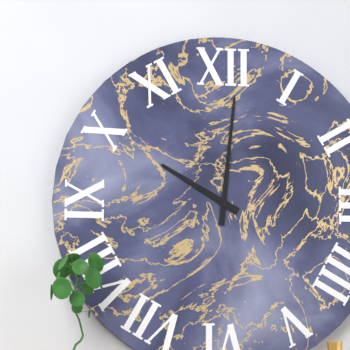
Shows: h=10 m=1
